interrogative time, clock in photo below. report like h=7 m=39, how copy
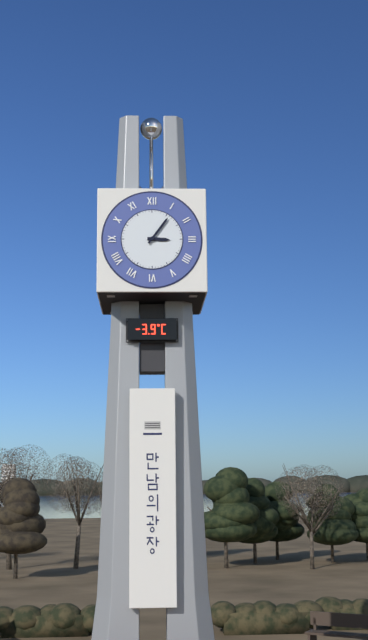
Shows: h=3 m=6
